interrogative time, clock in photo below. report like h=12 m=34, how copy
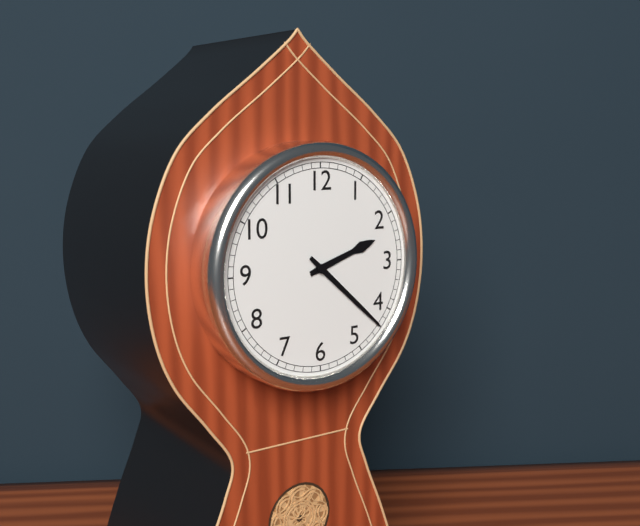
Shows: h=2 m=22
